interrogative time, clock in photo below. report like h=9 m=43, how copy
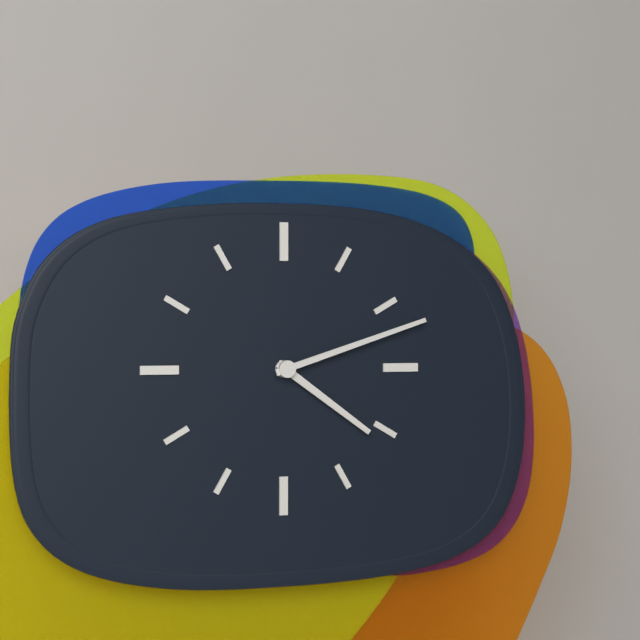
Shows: h=4 m=12
